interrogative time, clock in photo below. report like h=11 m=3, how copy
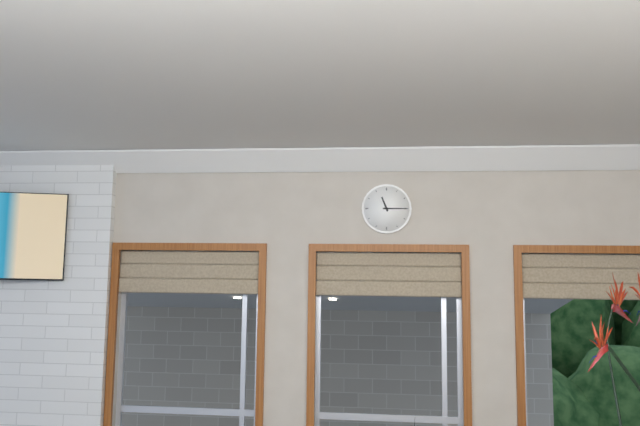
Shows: h=11 m=15
